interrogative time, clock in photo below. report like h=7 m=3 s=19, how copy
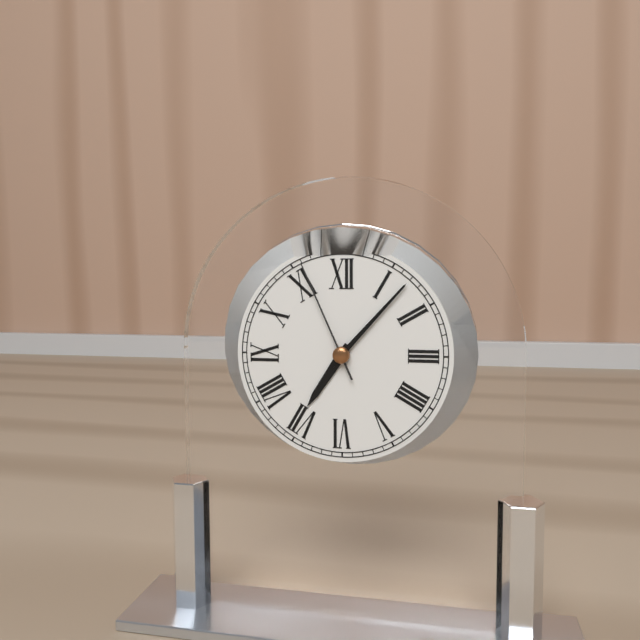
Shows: h=7 m=7 s=56
